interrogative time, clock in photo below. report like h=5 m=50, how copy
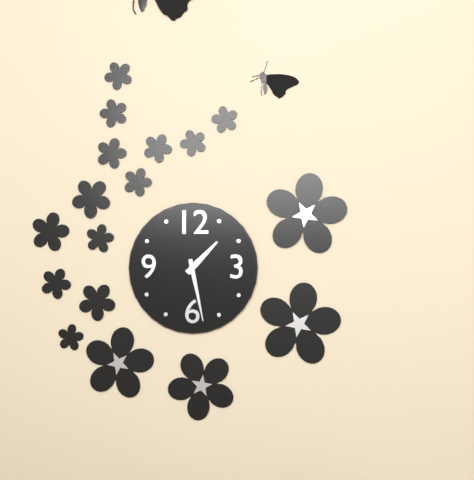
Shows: h=1 m=28
